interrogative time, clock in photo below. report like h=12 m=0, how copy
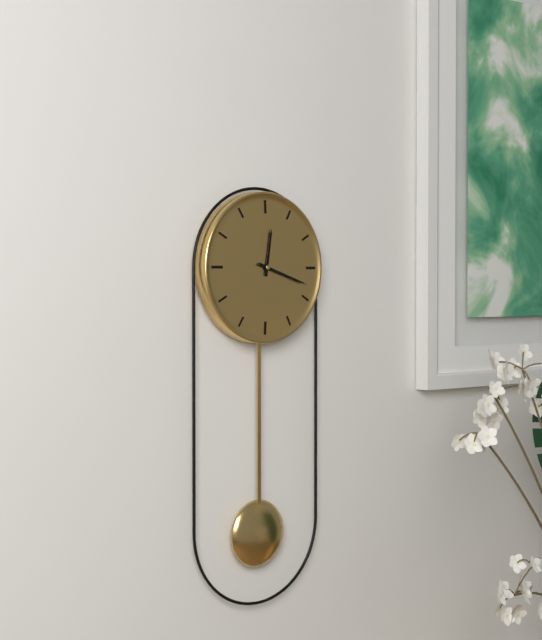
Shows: h=12 m=18
